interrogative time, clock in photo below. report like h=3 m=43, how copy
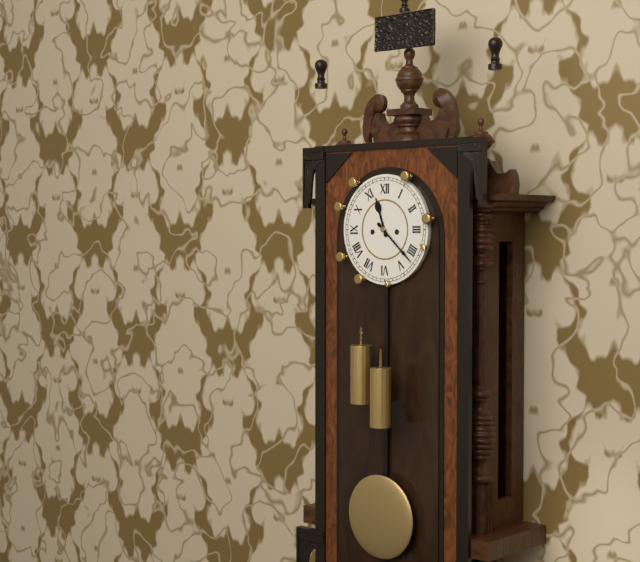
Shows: h=11 m=22
